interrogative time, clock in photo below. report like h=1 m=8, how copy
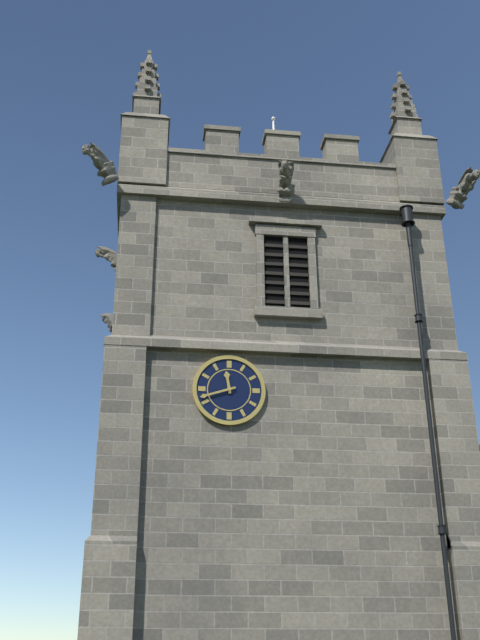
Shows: h=11 m=42
